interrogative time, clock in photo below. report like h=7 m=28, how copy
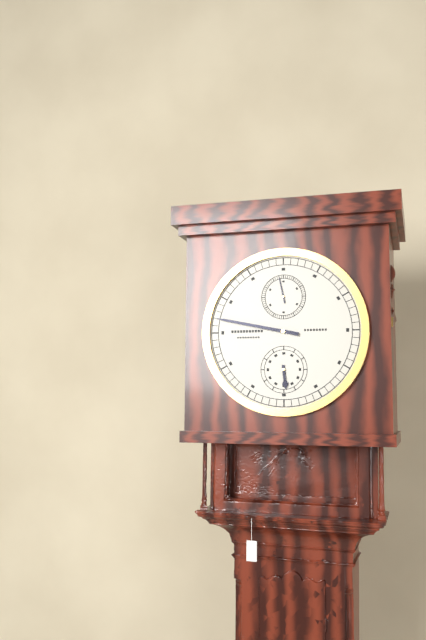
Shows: h=5 m=47
